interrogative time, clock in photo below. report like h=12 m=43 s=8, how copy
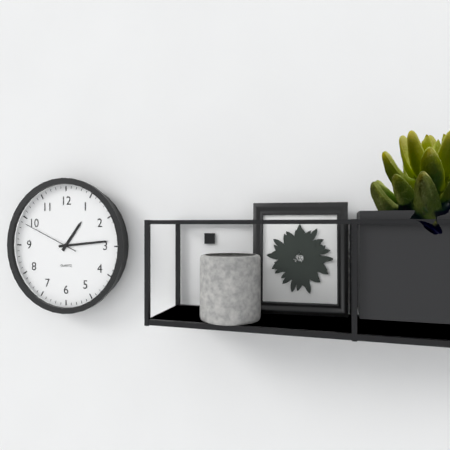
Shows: h=1 m=14 s=49
